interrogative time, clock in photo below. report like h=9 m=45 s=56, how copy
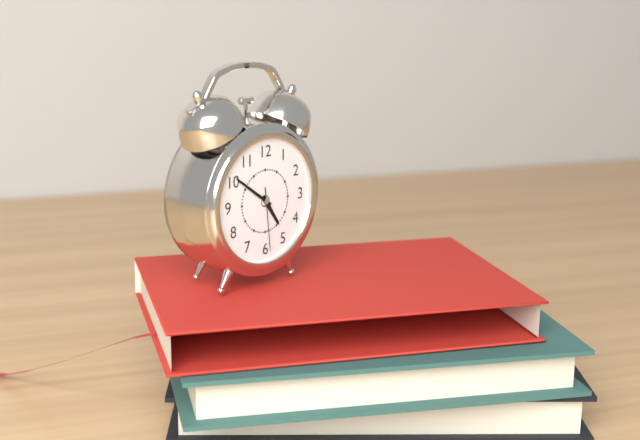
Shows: h=4 m=51 s=29
